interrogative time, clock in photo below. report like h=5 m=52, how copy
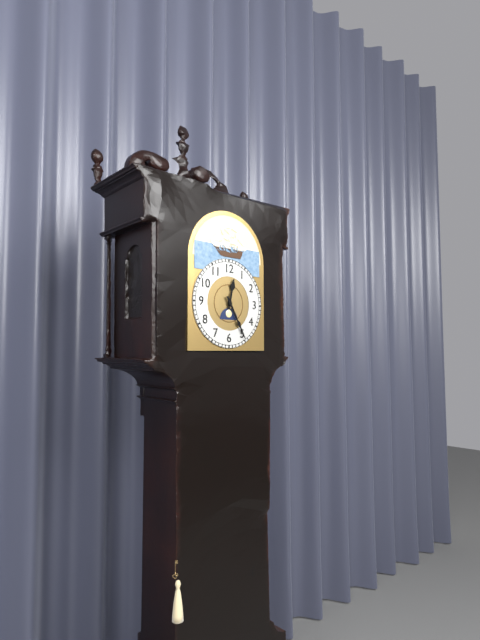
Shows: h=12 m=25
